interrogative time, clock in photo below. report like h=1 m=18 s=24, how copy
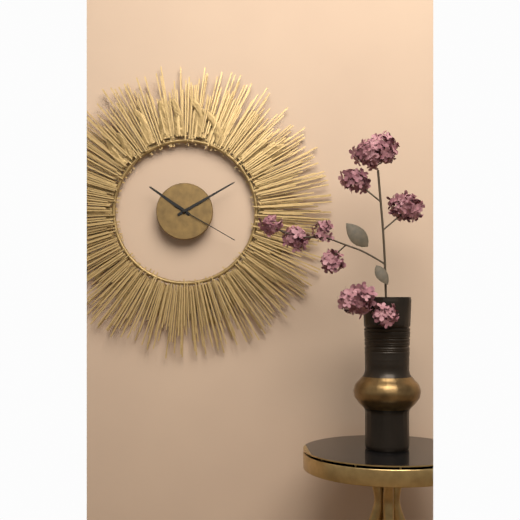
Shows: h=10 m=10 s=20
